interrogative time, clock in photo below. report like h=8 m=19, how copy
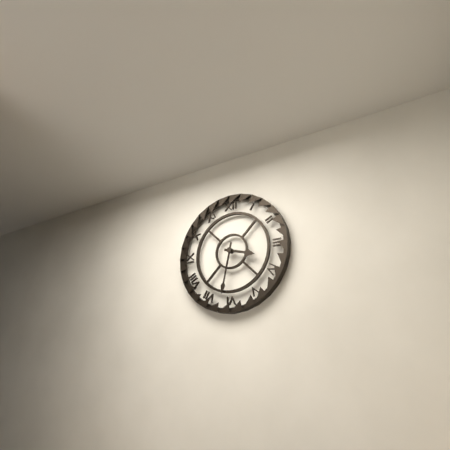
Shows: h=3 m=32
